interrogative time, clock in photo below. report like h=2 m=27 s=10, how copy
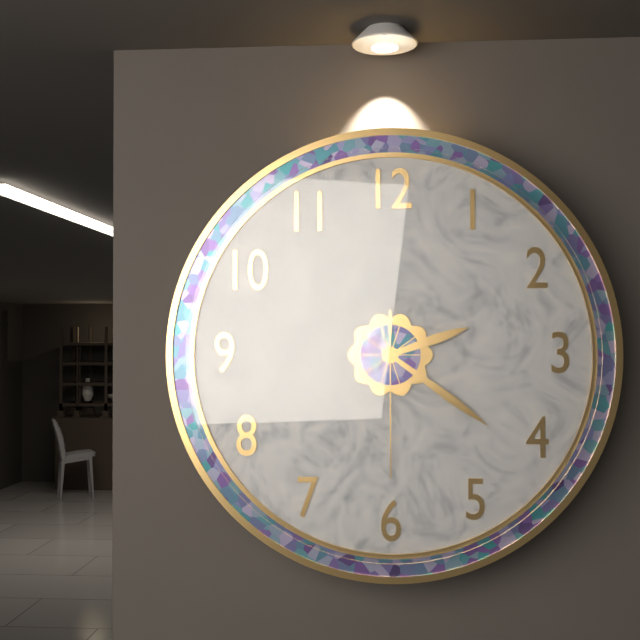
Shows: h=2 m=21 s=30
